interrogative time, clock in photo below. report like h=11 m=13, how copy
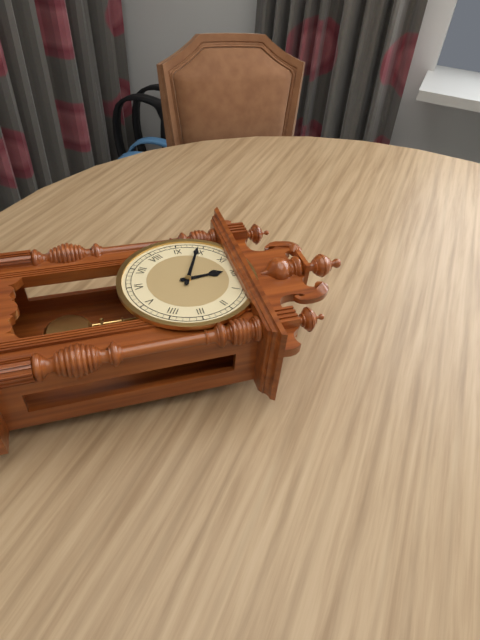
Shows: h=11 m=49
